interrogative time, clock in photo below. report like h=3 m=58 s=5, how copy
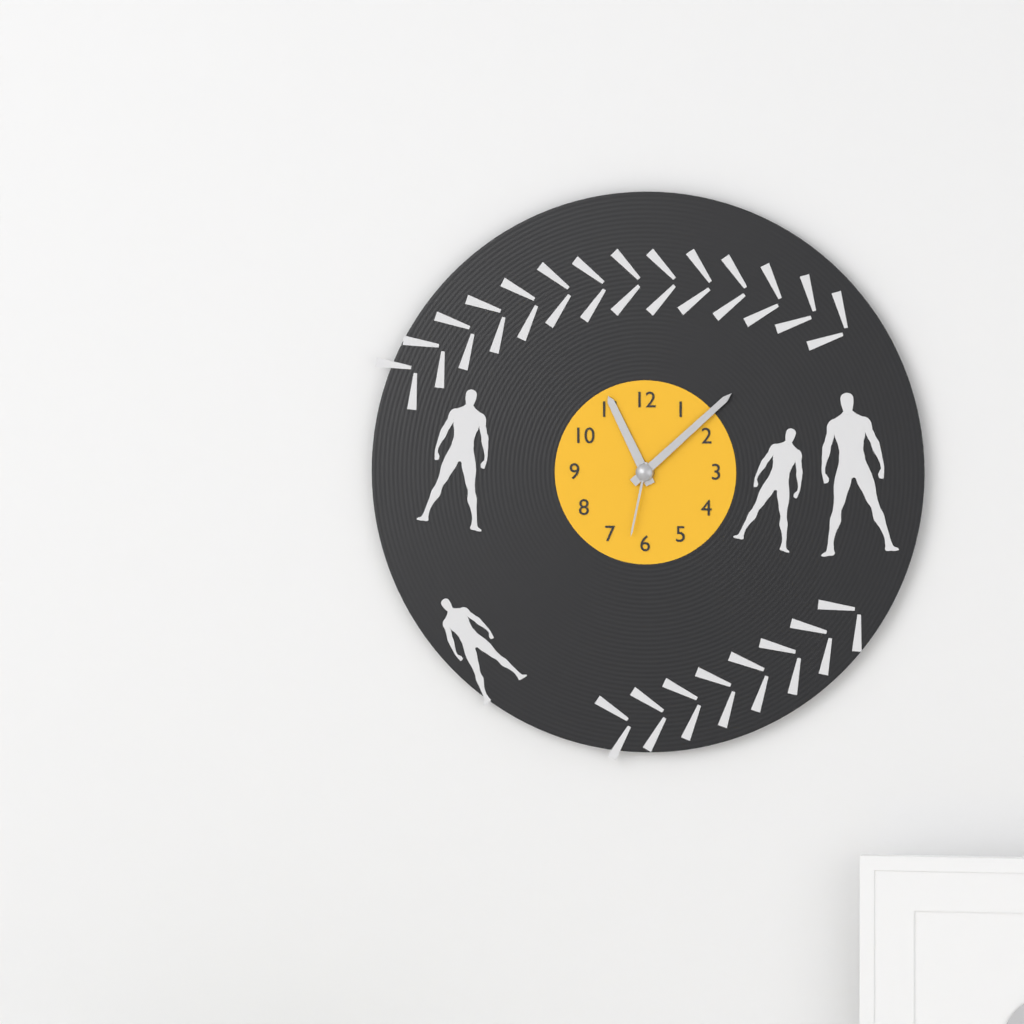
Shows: h=11 m=8 s=32
